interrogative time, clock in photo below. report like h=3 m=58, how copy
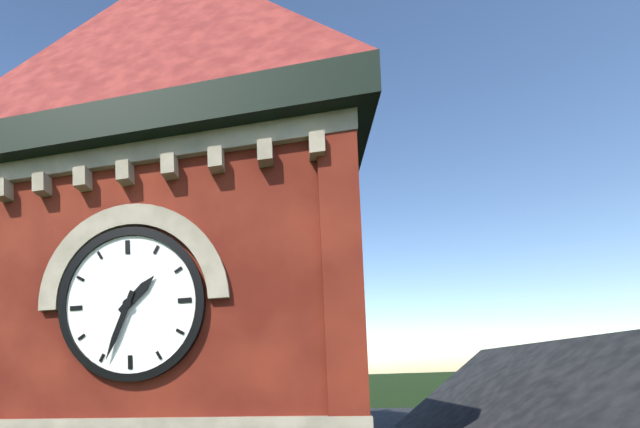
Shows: h=1 m=34
